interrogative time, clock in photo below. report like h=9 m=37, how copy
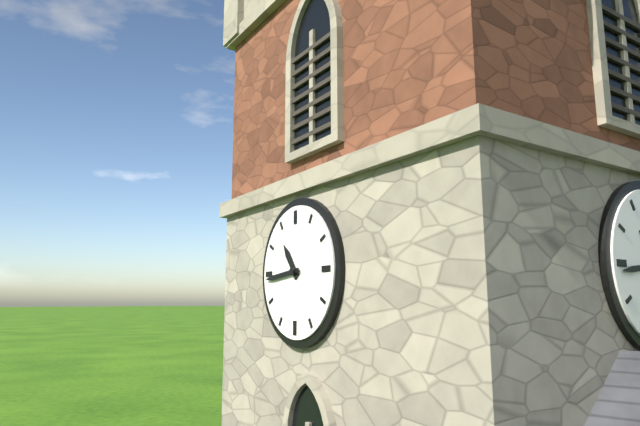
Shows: h=10 m=44
